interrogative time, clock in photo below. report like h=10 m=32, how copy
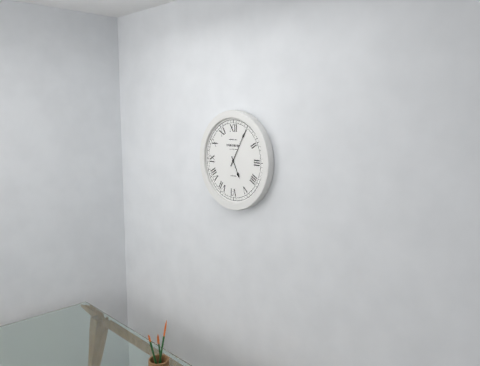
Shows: h=5 m=5
